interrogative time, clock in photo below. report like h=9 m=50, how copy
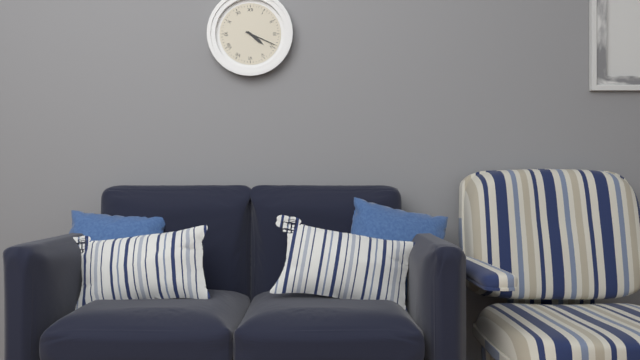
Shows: h=4 m=19
